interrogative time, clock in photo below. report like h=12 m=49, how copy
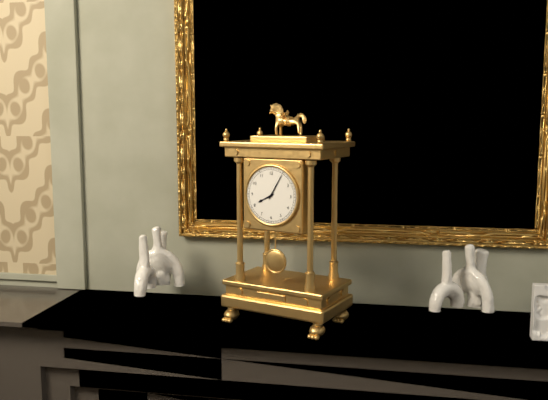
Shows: h=8 m=5
